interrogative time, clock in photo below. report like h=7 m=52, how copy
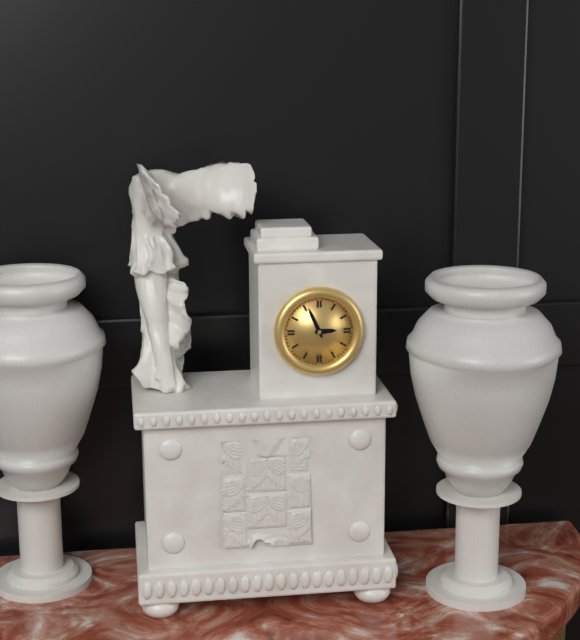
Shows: h=2 m=56
